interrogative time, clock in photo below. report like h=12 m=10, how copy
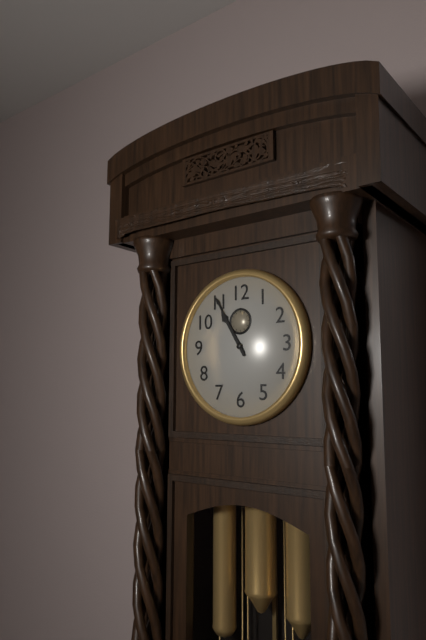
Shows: h=10 m=55
